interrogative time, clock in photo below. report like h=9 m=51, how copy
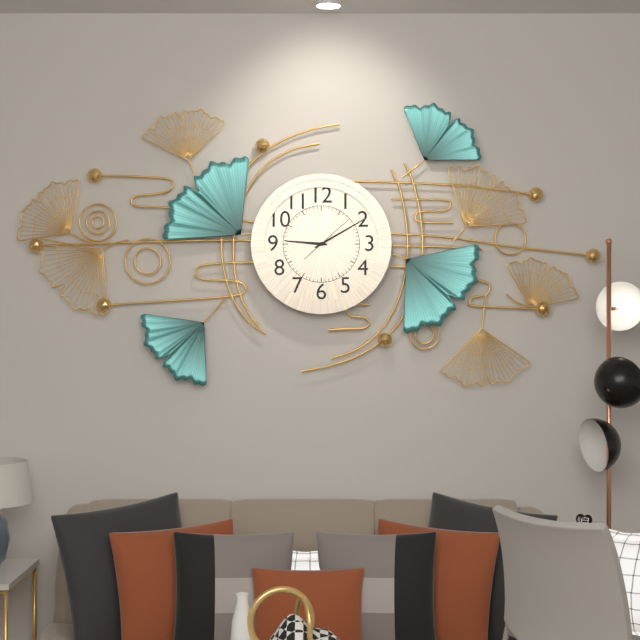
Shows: h=9 m=10
